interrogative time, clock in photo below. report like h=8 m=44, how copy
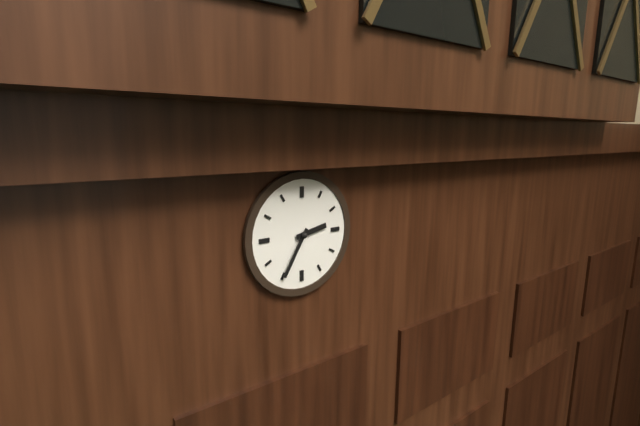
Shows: h=2 m=35
